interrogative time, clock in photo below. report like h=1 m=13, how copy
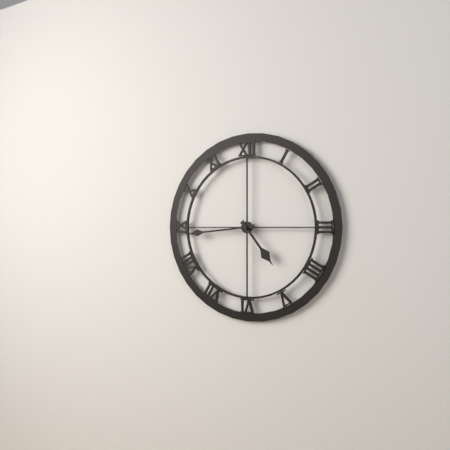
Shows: h=4 m=44
